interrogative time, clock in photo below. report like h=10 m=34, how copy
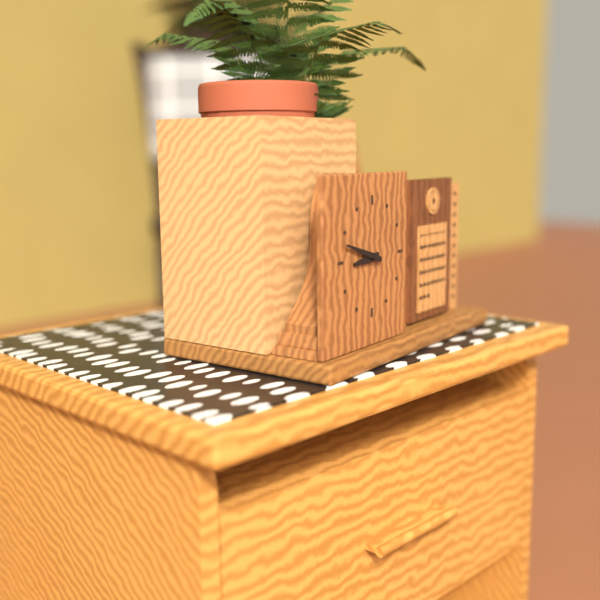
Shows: h=8 m=48
